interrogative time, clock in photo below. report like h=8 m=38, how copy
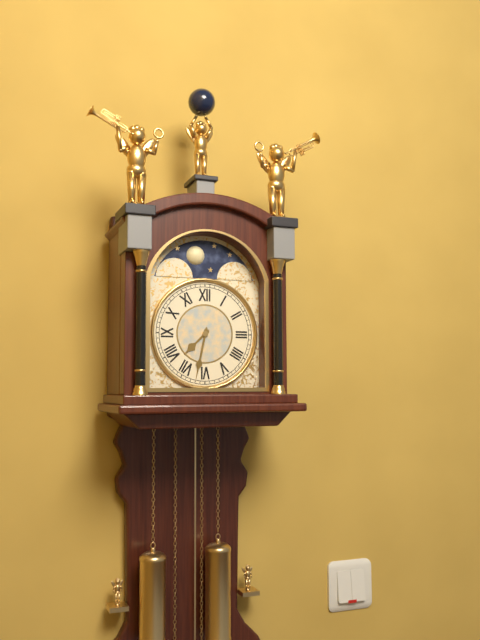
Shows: h=7 m=32
